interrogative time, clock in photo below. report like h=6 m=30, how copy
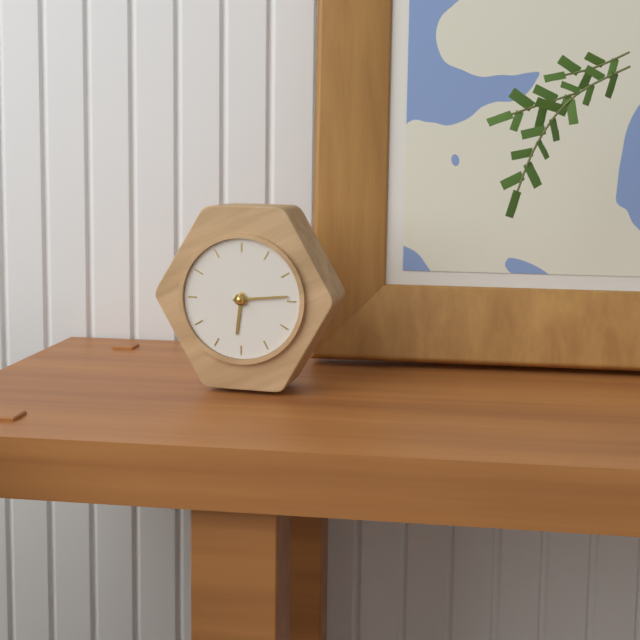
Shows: h=6 m=14
